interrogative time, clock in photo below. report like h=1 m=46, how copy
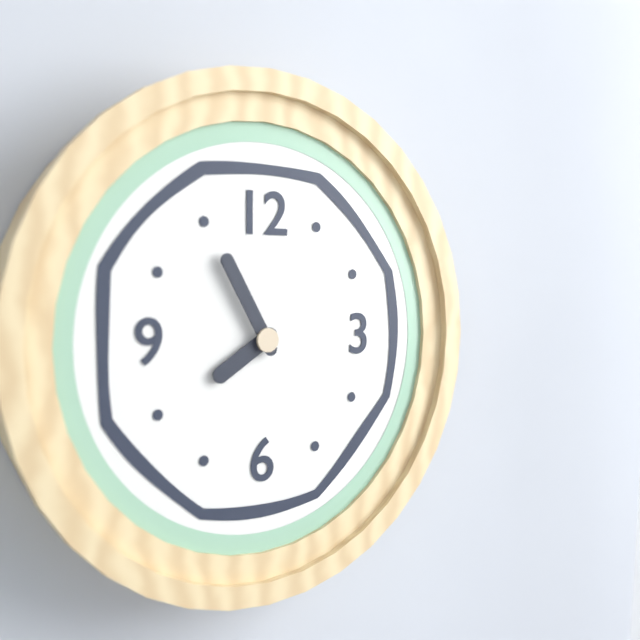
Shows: h=7 m=55
